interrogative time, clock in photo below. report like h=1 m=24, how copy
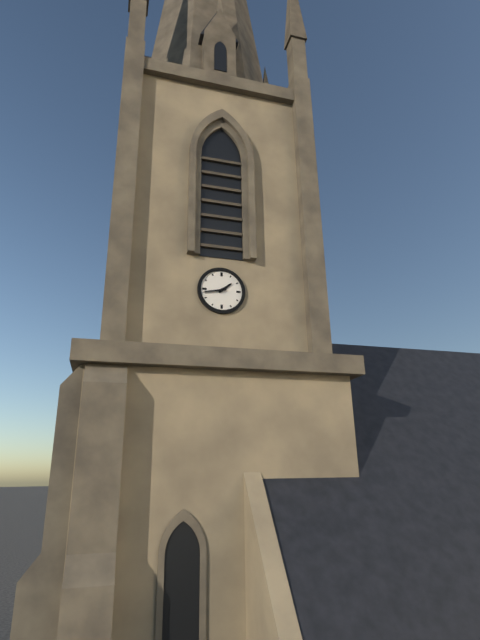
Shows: h=1 m=43
